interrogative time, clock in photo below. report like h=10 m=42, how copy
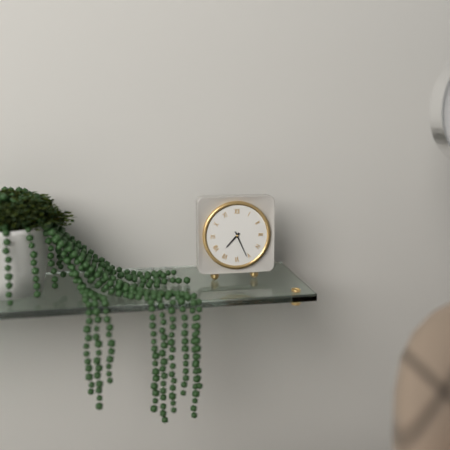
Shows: h=7 m=26
